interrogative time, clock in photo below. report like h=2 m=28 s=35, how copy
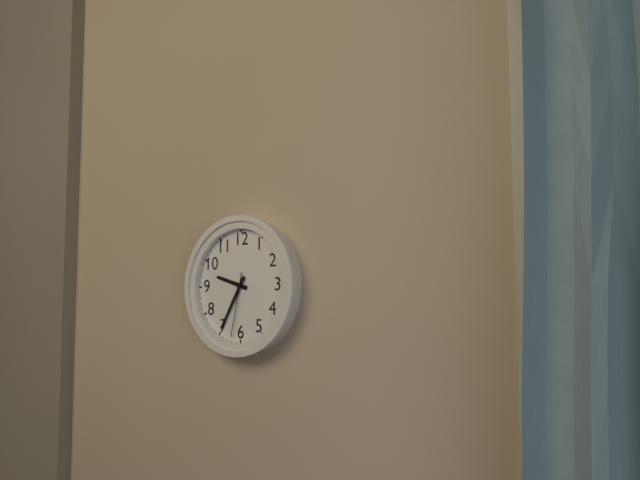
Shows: h=9 m=35 s=32
